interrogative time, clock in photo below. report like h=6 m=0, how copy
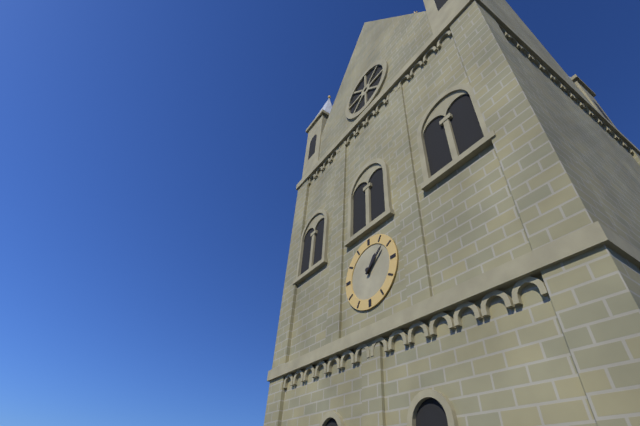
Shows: h=1 m=8
